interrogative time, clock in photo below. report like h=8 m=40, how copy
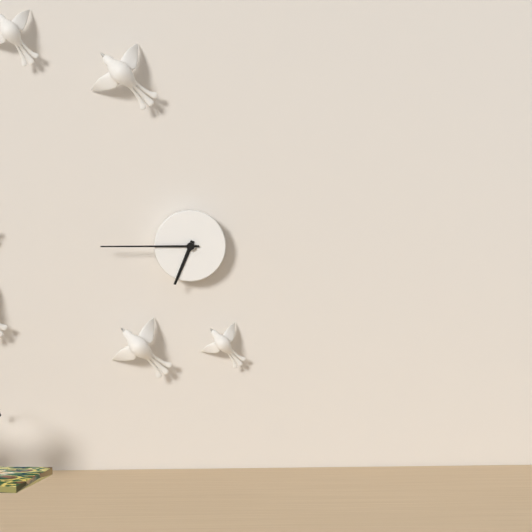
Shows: h=6 m=45
